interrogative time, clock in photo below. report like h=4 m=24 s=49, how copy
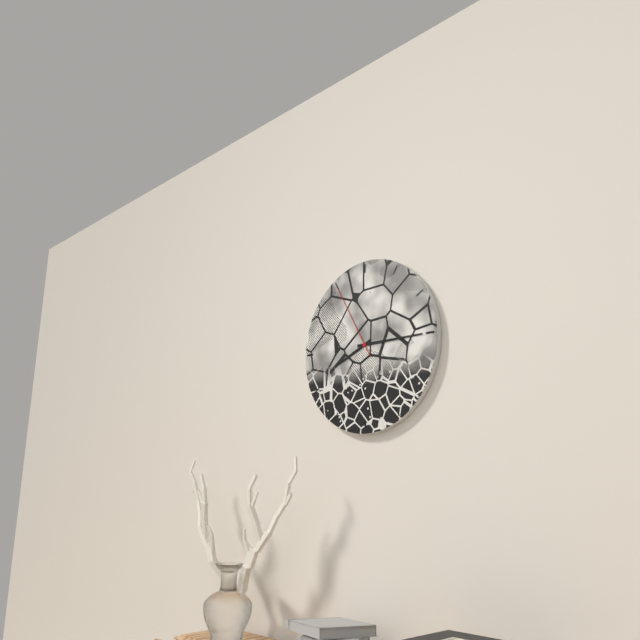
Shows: h=8 m=15 s=55
